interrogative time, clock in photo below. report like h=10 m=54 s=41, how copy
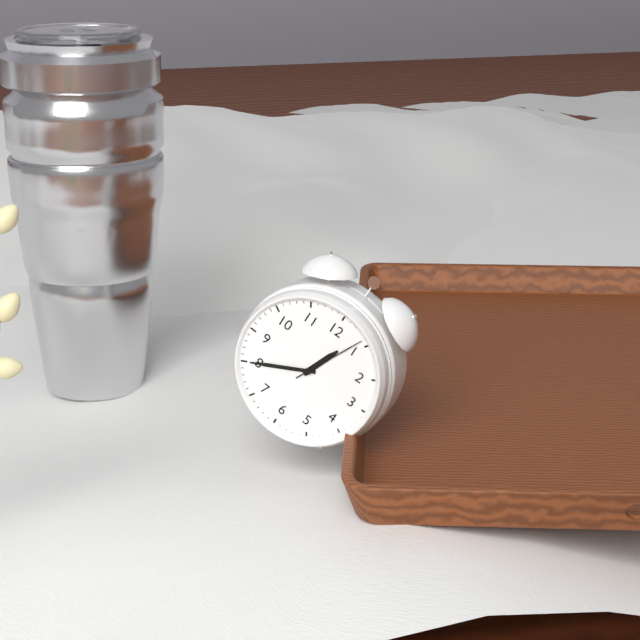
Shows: h=12 m=40 s=4
